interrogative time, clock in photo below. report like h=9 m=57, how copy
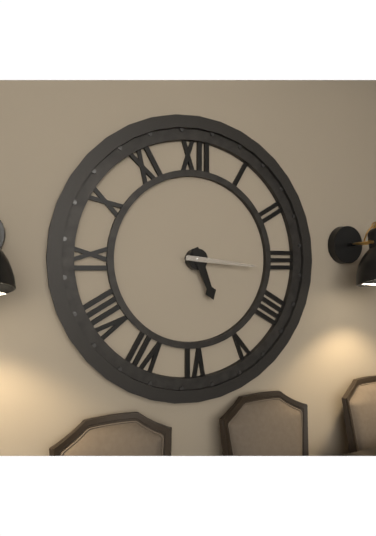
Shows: h=5 m=16
